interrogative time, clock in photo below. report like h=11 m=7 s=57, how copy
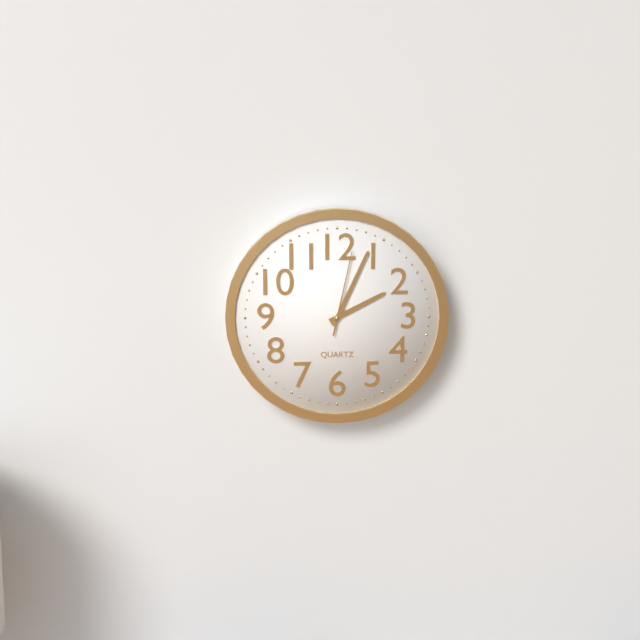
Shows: h=2 m=4 s=2
